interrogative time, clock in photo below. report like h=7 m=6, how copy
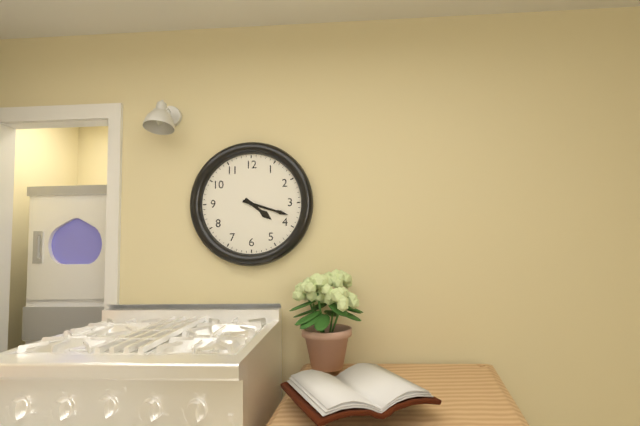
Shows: h=4 m=18
